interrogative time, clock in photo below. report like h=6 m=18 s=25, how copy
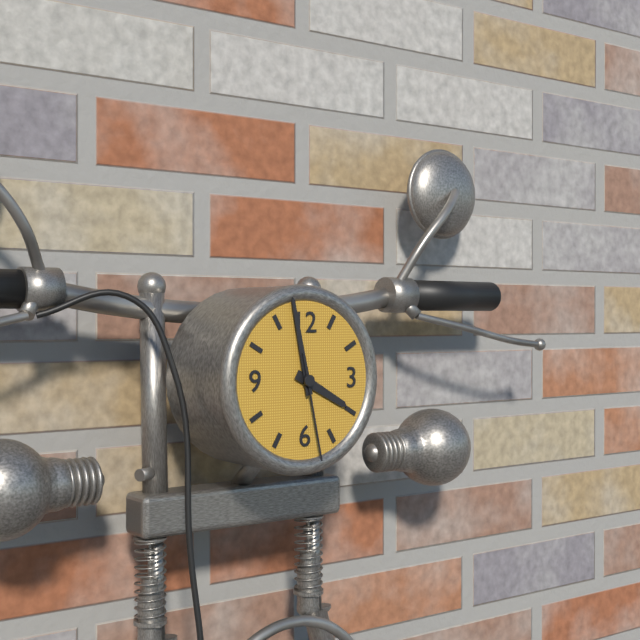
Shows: h=3 m=58 s=28
